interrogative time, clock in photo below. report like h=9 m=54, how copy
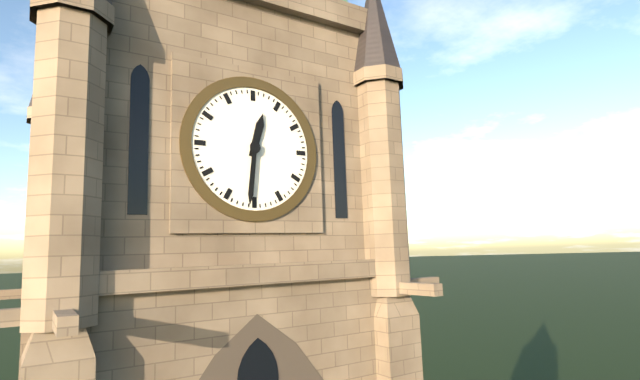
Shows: h=12 m=31
